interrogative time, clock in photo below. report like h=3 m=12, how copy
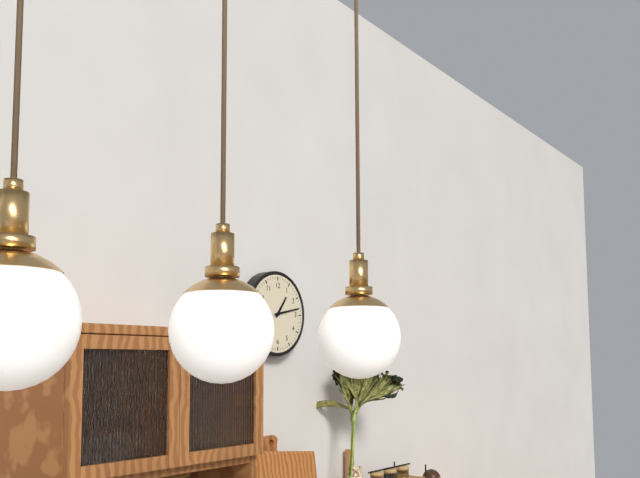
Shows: h=1 m=13
